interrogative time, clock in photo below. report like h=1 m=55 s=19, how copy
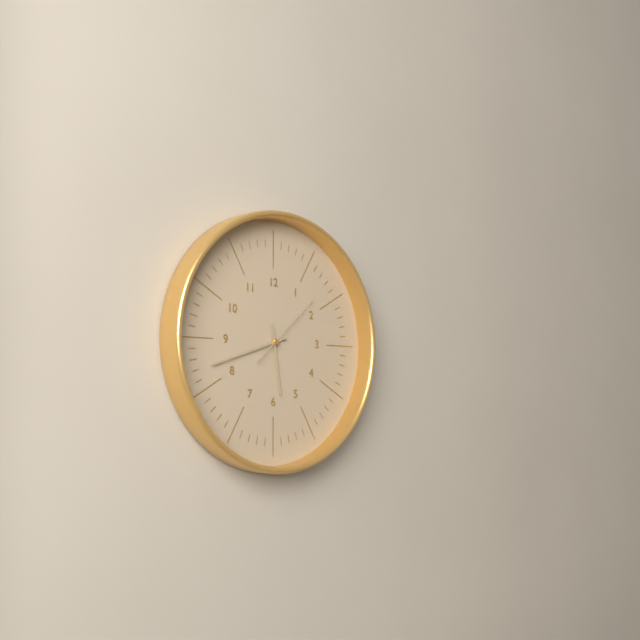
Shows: h=5 m=42 s=8
